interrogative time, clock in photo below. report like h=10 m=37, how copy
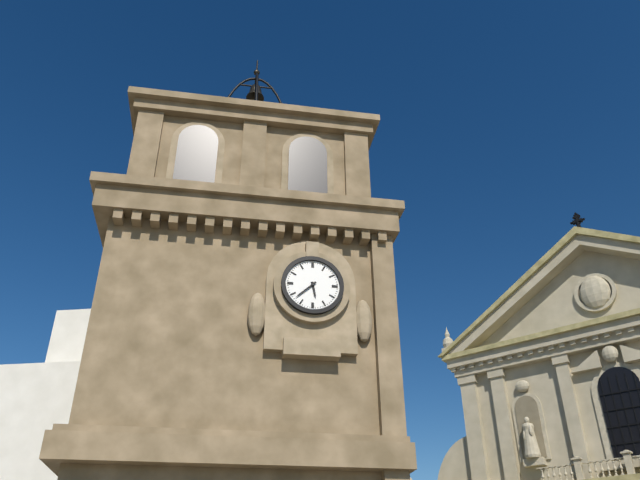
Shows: h=5 m=38
